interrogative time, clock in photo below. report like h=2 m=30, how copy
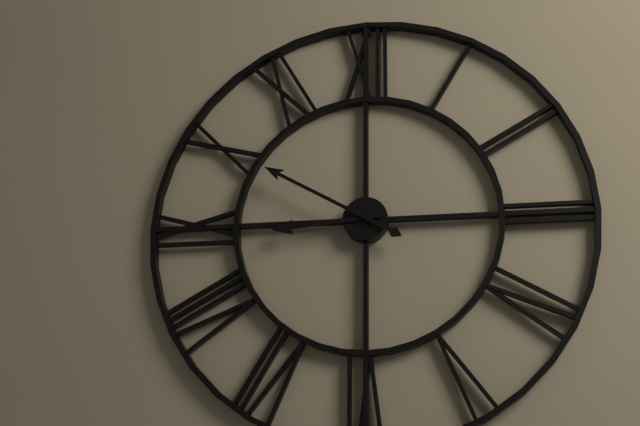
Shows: h=8 m=50
